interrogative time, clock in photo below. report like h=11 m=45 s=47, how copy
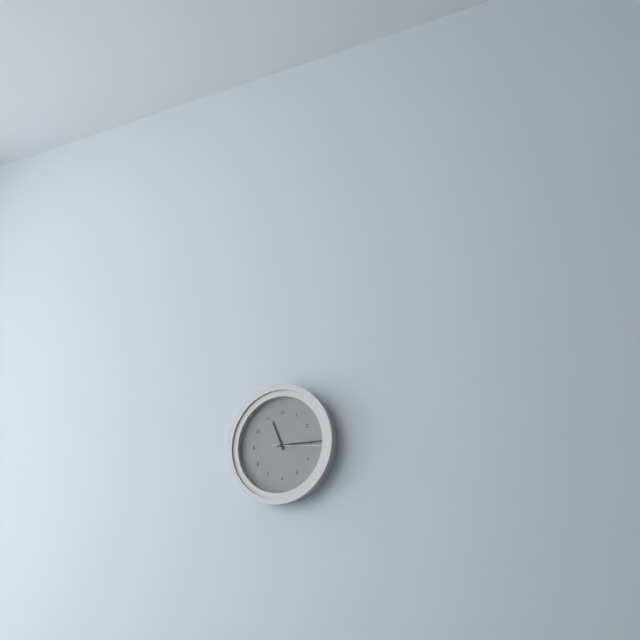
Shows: h=11 m=15 s=16
